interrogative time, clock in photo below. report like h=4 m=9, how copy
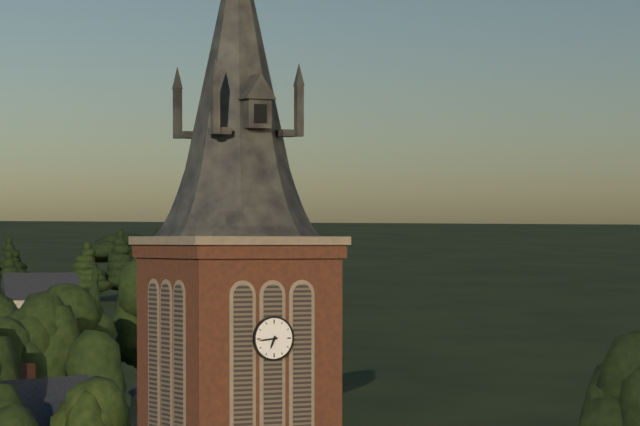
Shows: h=6 m=44
